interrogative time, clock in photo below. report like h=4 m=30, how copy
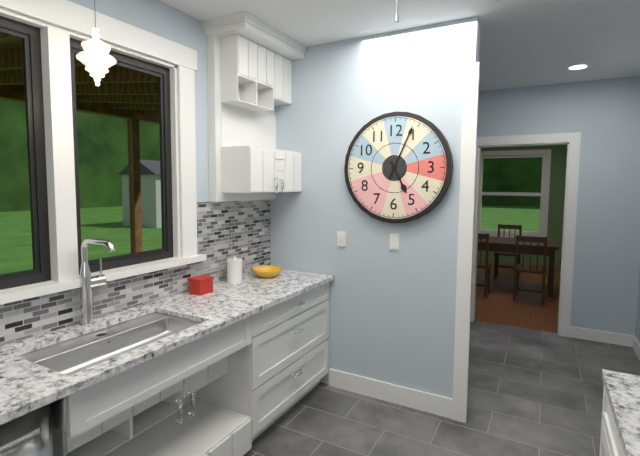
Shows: h=5 m=4
